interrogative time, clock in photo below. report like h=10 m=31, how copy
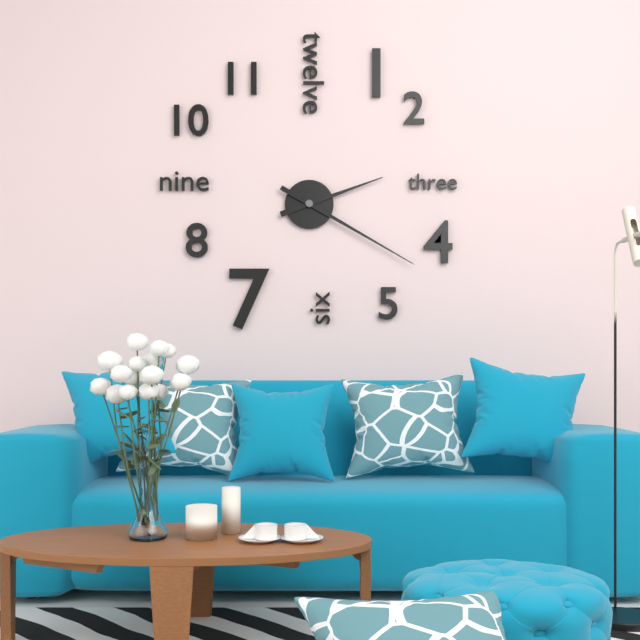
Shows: h=2 m=20
